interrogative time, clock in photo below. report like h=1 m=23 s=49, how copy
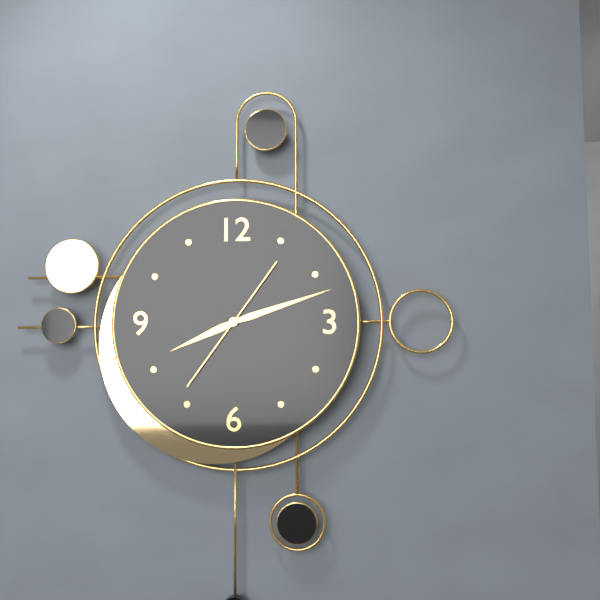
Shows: h=8 m=12 s=36
